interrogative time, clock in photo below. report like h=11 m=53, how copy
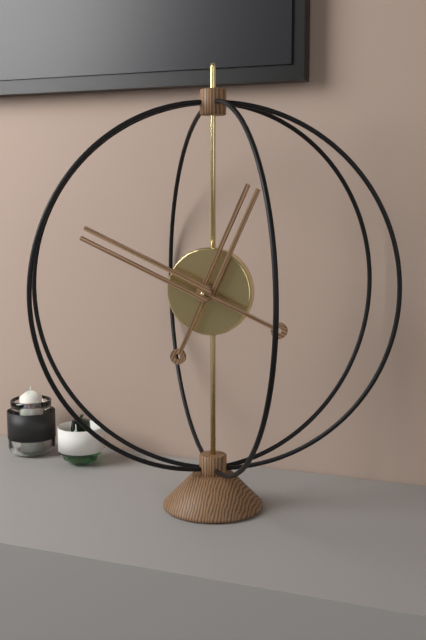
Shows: h=12 m=49
